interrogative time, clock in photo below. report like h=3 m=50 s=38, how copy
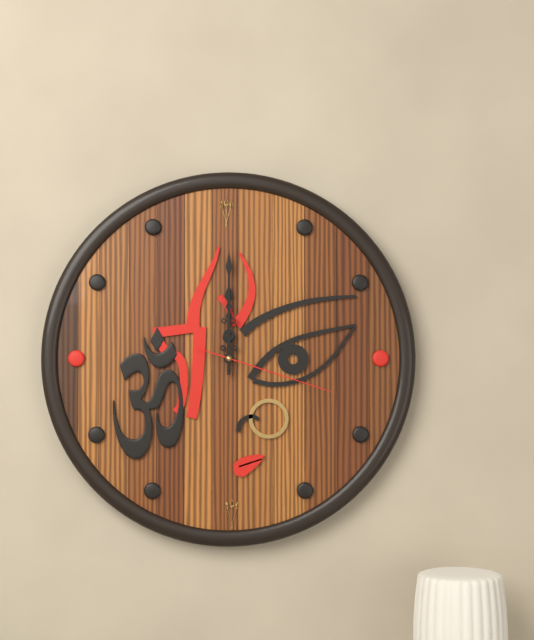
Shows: h=12 m=0 s=18
